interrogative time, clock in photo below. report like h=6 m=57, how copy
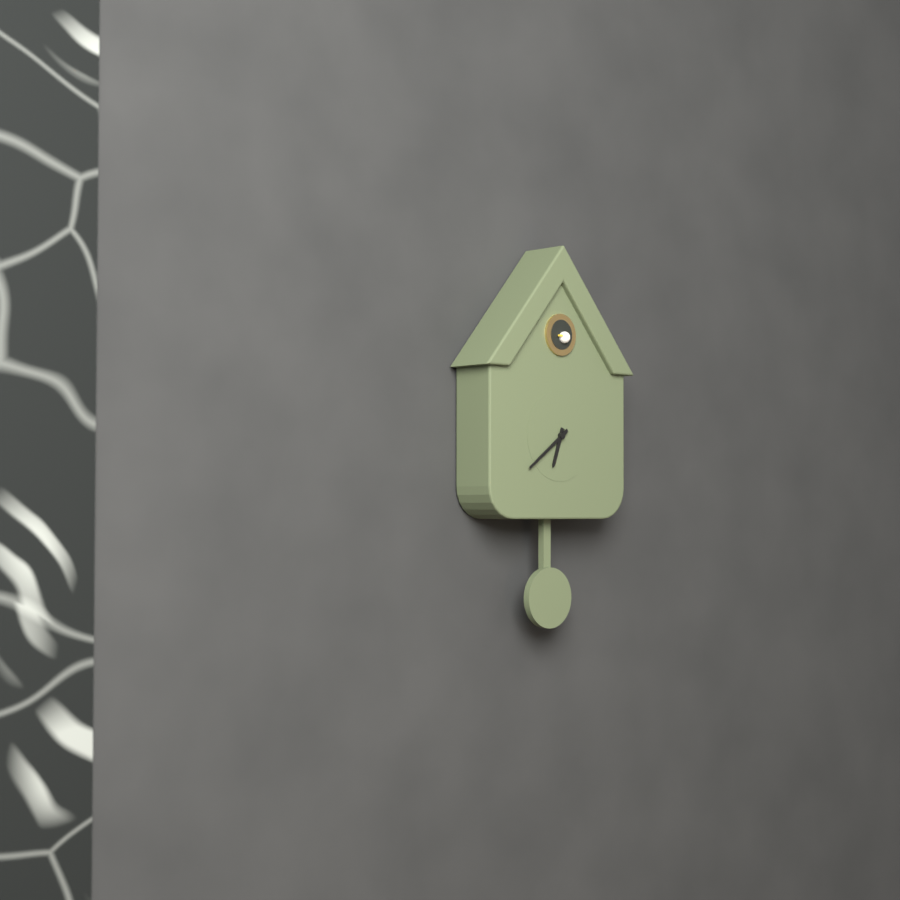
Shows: h=6 m=39
